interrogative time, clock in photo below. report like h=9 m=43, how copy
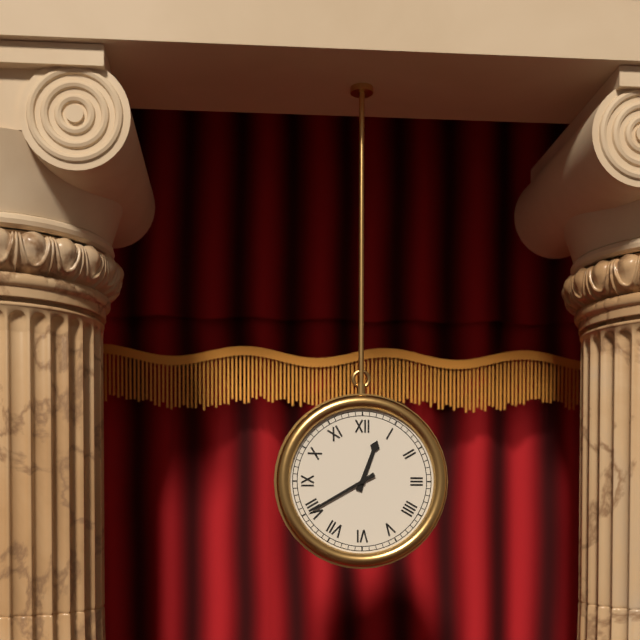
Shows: h=12 m=40
